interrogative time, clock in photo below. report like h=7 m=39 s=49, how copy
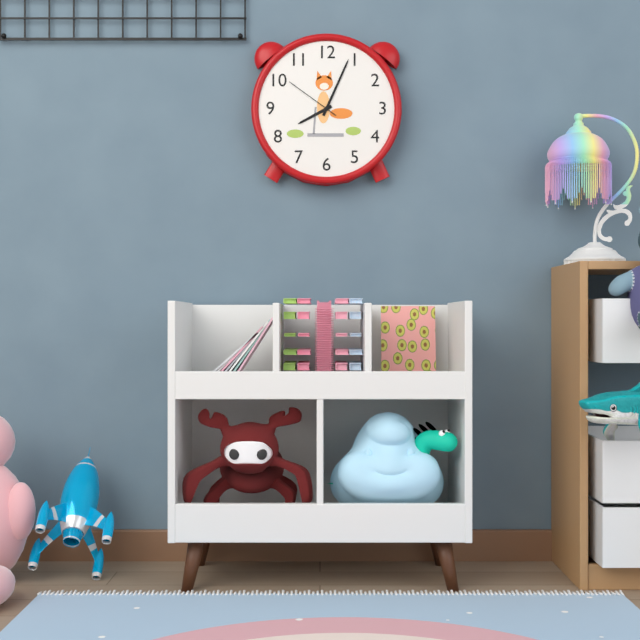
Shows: h=8 m=4 s=51
